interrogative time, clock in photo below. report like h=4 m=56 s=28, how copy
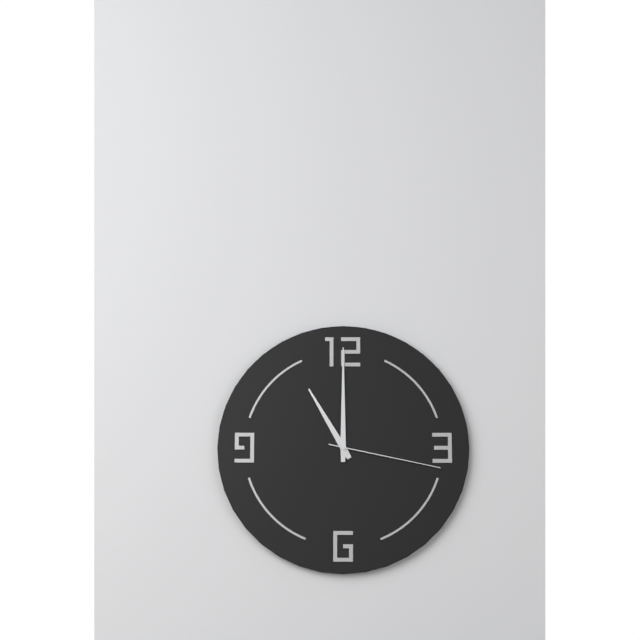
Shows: h=11 m=0 s=17
